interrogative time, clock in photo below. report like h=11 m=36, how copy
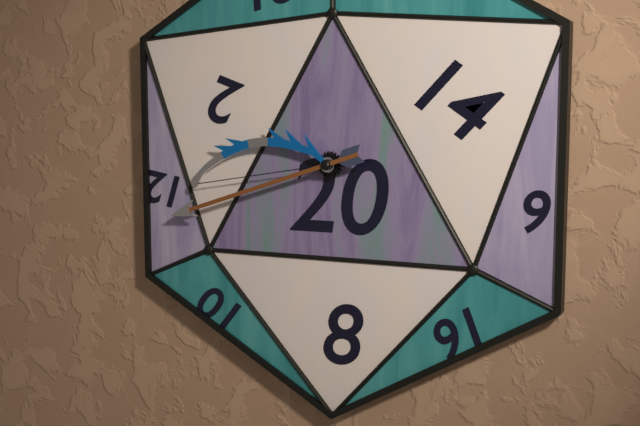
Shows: h=8 m=42
